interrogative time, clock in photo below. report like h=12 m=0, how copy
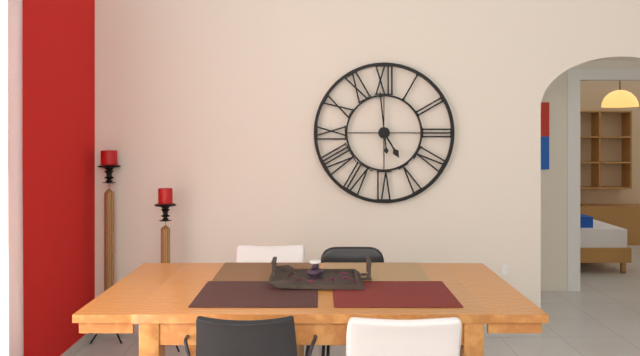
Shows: h=4 m=59
